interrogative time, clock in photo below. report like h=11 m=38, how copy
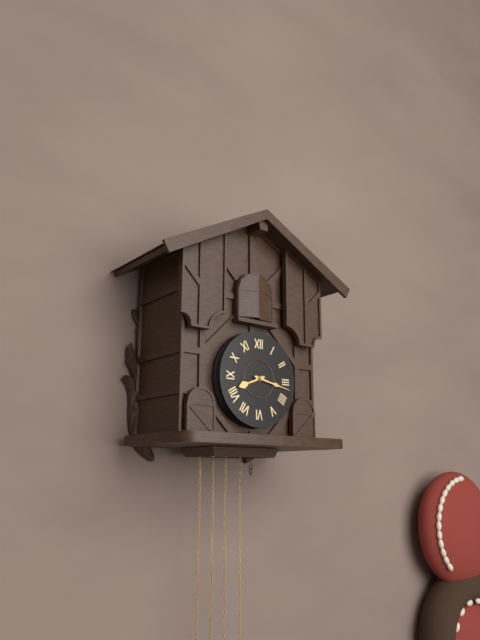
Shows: h=8 m=17
